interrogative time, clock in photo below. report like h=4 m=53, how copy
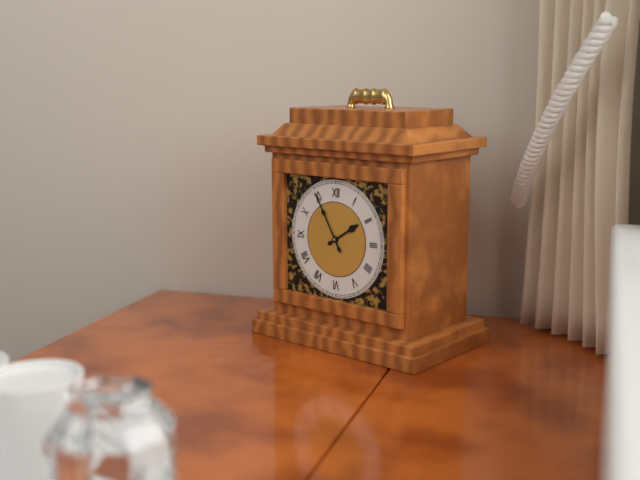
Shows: h=1 m=55
